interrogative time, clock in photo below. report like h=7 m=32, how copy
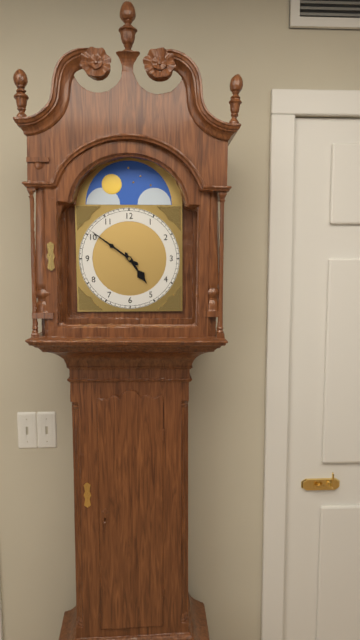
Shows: h=4 m=51
